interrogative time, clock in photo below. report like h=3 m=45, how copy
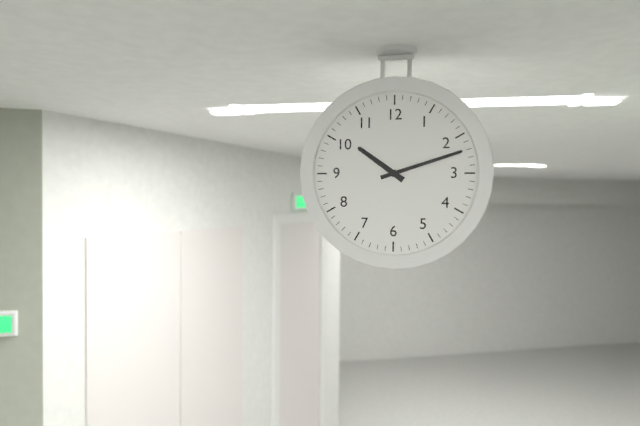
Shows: h=10 m=12
